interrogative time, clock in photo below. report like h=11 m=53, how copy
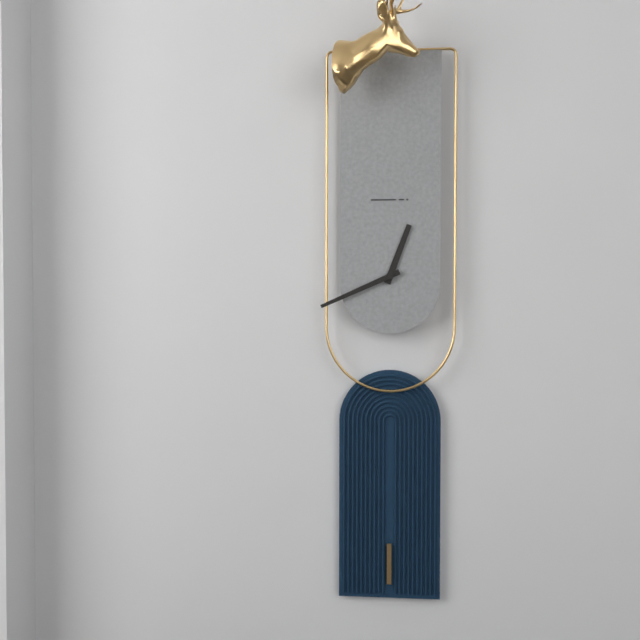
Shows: h=12 m=41
